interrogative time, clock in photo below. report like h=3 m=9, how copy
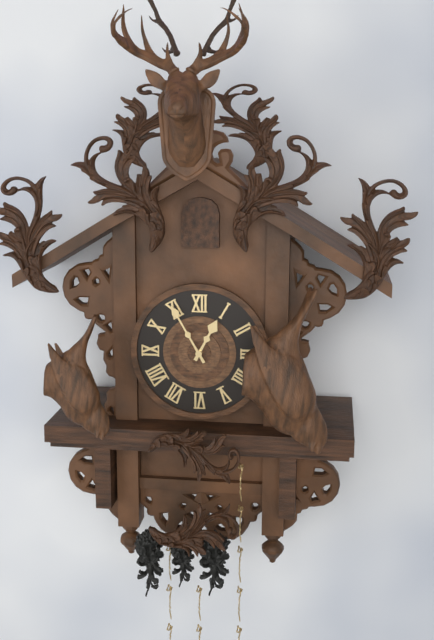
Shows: h=12 m=55
